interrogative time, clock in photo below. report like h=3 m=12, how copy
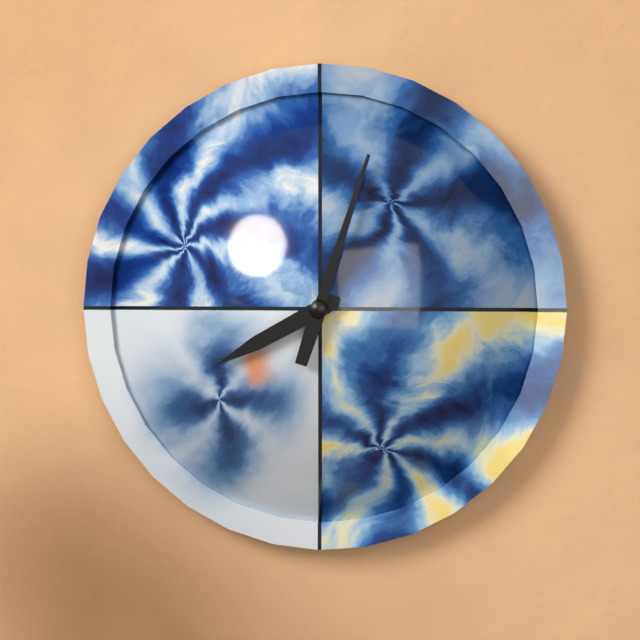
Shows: h=8 m=3
